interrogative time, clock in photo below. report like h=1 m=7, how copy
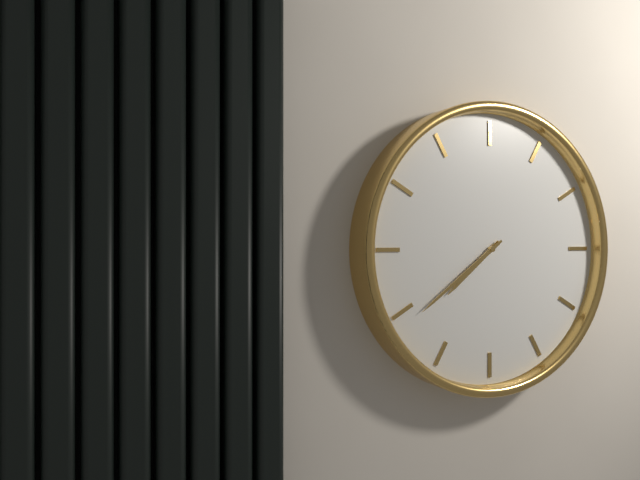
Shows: h=7 m=39
